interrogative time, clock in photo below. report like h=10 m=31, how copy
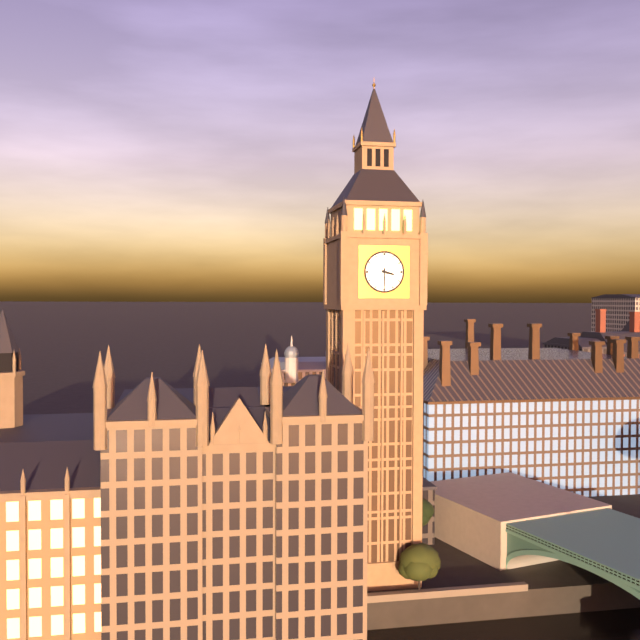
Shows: h=3 m=30
